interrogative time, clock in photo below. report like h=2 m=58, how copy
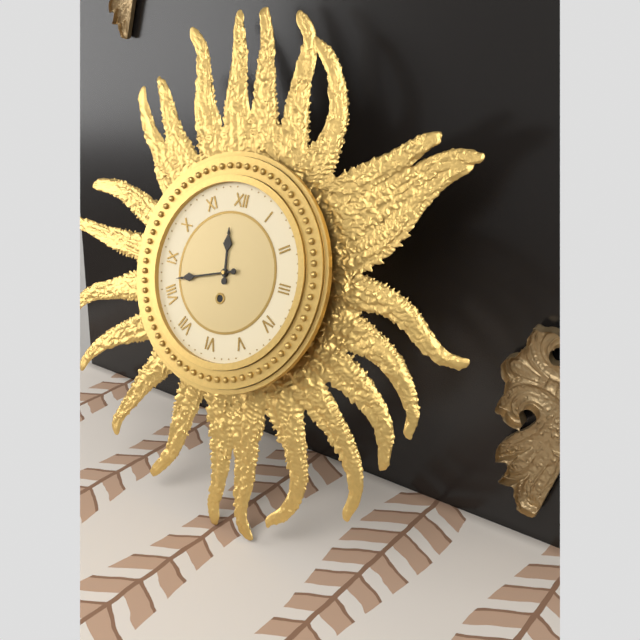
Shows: h=11 m=42
